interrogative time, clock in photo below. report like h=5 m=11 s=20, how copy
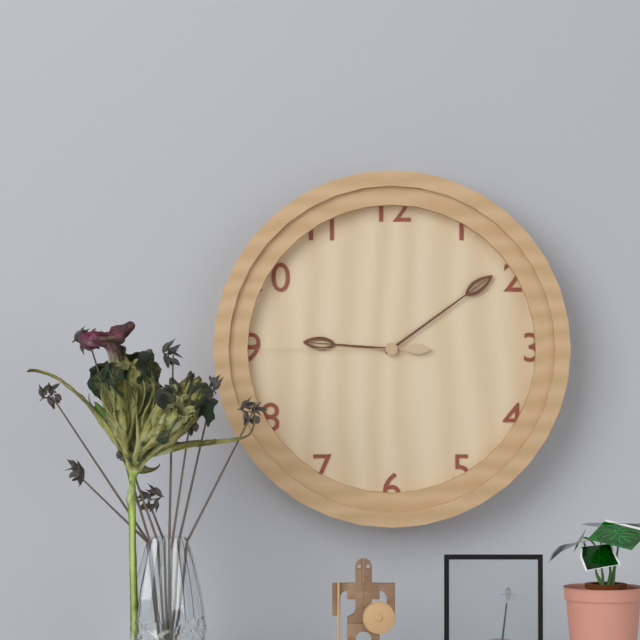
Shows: h=9 m=9 s=45
